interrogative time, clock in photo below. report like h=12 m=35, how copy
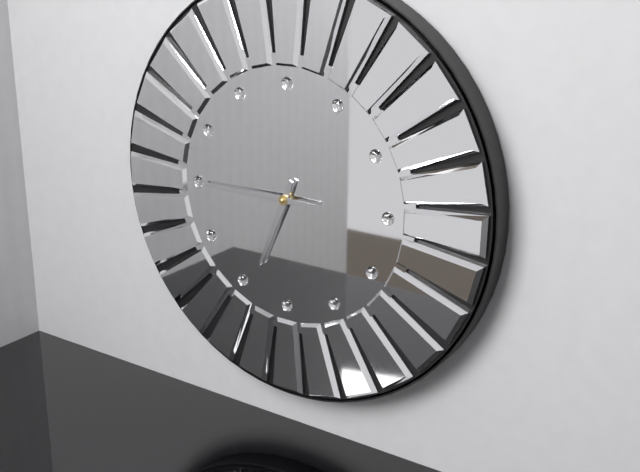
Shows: h=6 m=45
